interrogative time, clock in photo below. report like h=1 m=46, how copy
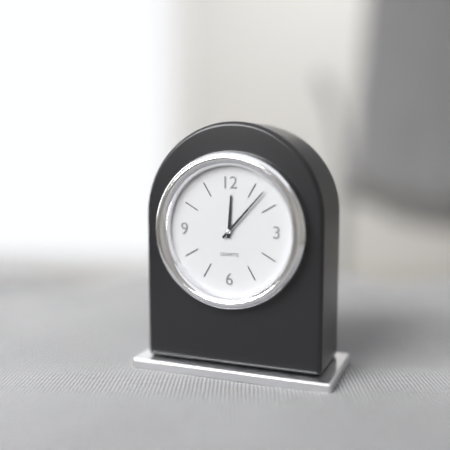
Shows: h=12 m=7
